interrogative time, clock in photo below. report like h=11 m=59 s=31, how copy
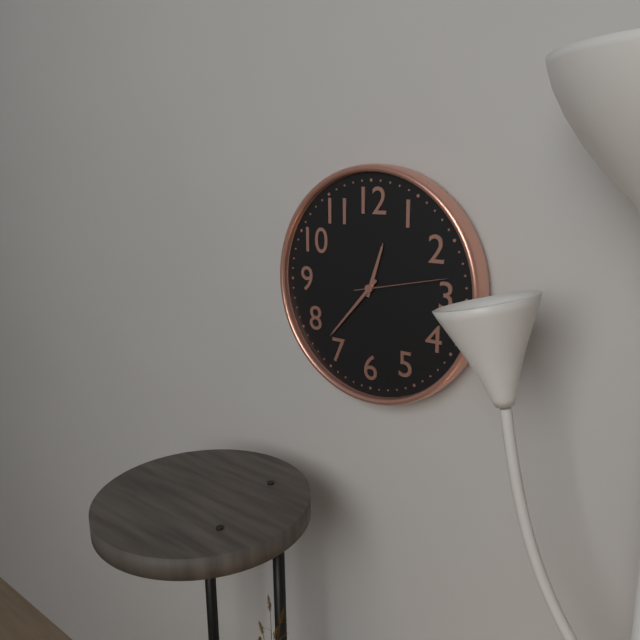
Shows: h=12 m=37 s=13
